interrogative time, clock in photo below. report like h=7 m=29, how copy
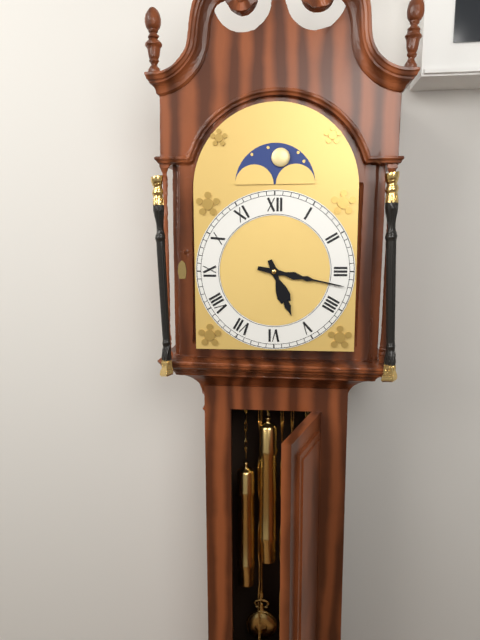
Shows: h=5 m=17
